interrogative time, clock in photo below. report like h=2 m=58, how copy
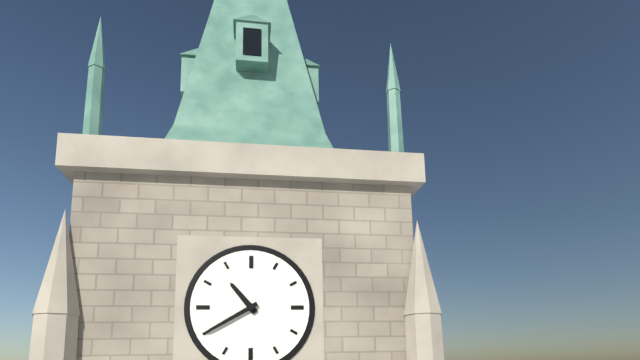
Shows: h=10 m=40
